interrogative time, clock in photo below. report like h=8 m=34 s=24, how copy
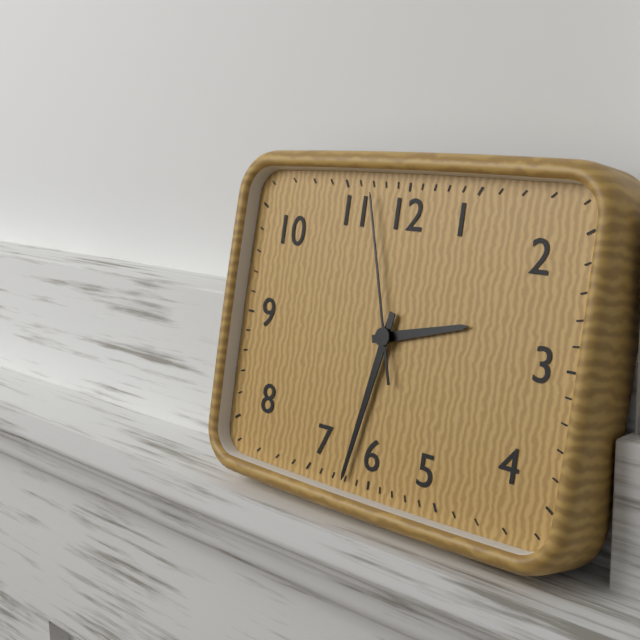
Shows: h=2 m=32 s=57
